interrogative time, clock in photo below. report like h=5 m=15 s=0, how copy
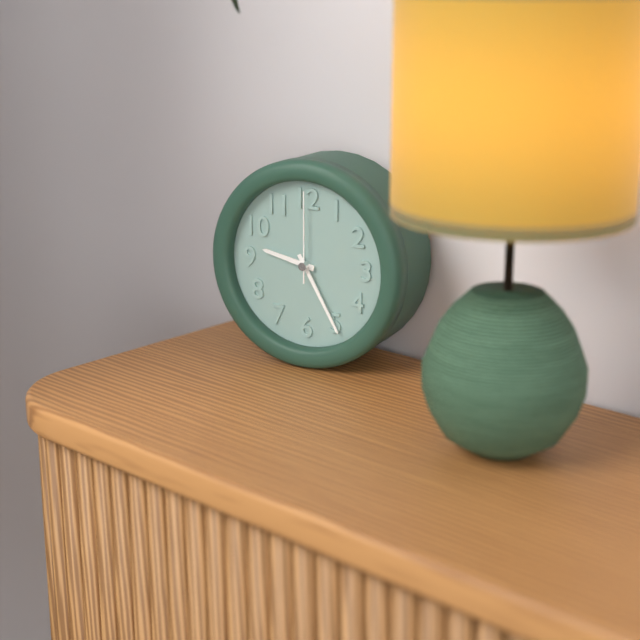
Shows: h=9 m=25 s=0
